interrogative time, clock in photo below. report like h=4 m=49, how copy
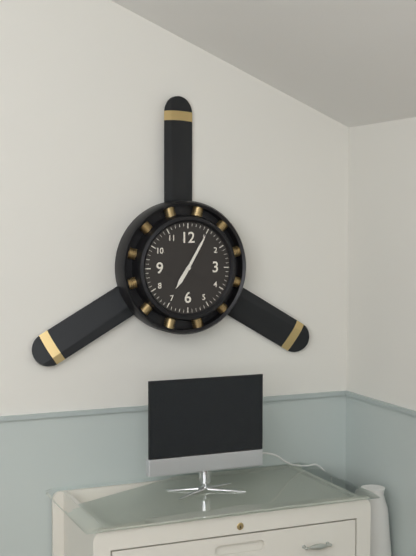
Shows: h=7 m=5
